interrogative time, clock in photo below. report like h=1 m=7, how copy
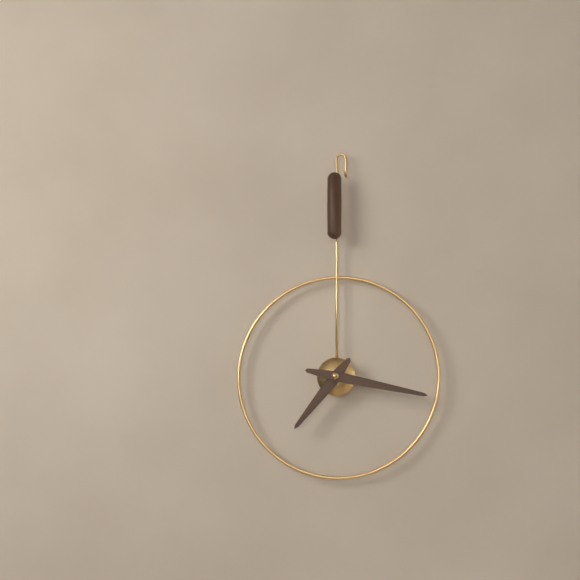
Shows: h=7 m=17
